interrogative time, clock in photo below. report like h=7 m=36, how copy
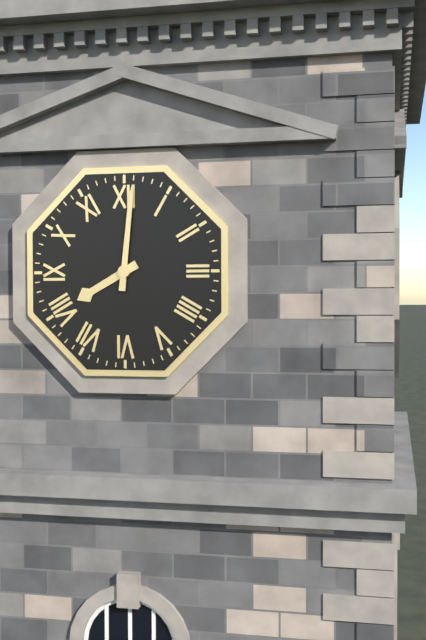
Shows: h=8 m=1
